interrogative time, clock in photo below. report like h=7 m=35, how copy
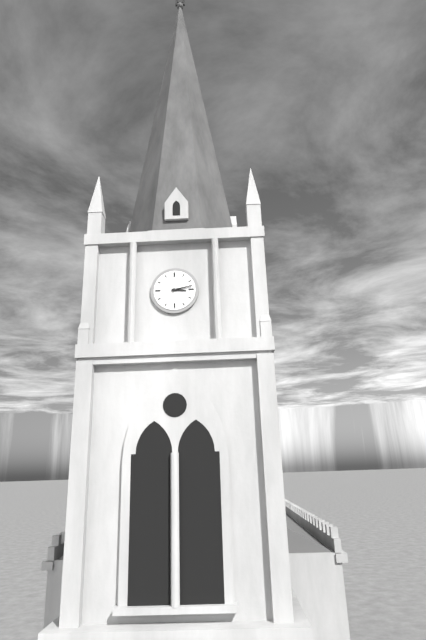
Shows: h=3 m=13
